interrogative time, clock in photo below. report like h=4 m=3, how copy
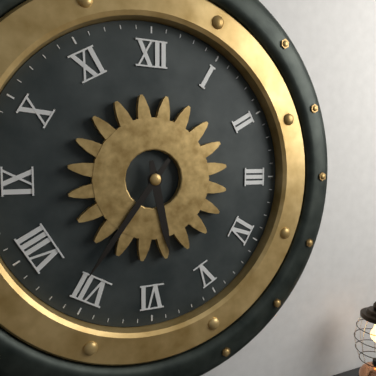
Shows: h=5 m=36
